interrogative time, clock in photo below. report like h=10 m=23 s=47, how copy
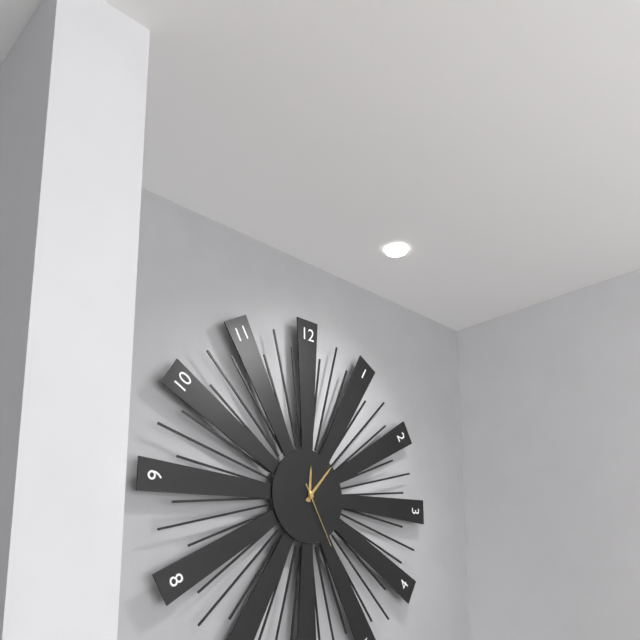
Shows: h=12 m=7 s=25
